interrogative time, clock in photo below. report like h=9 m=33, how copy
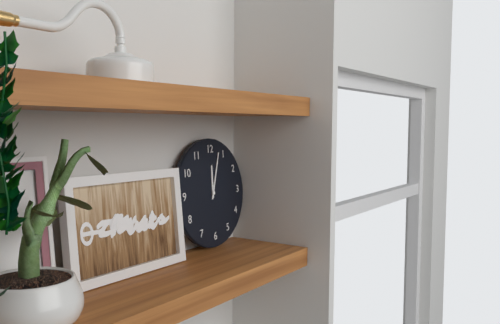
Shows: h=12 m=3
